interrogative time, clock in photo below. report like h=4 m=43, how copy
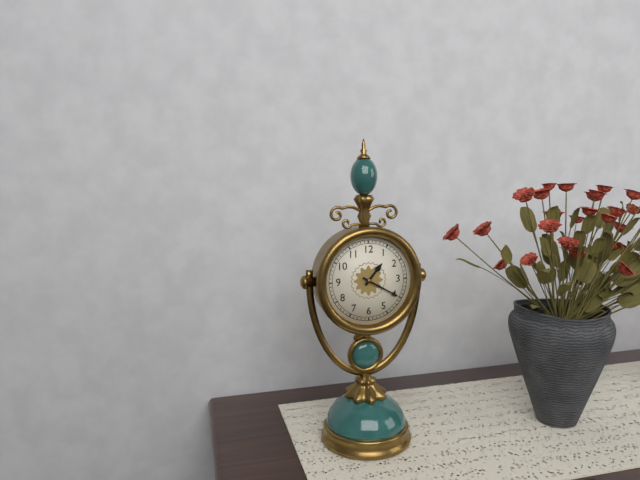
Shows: h=1 m=20
